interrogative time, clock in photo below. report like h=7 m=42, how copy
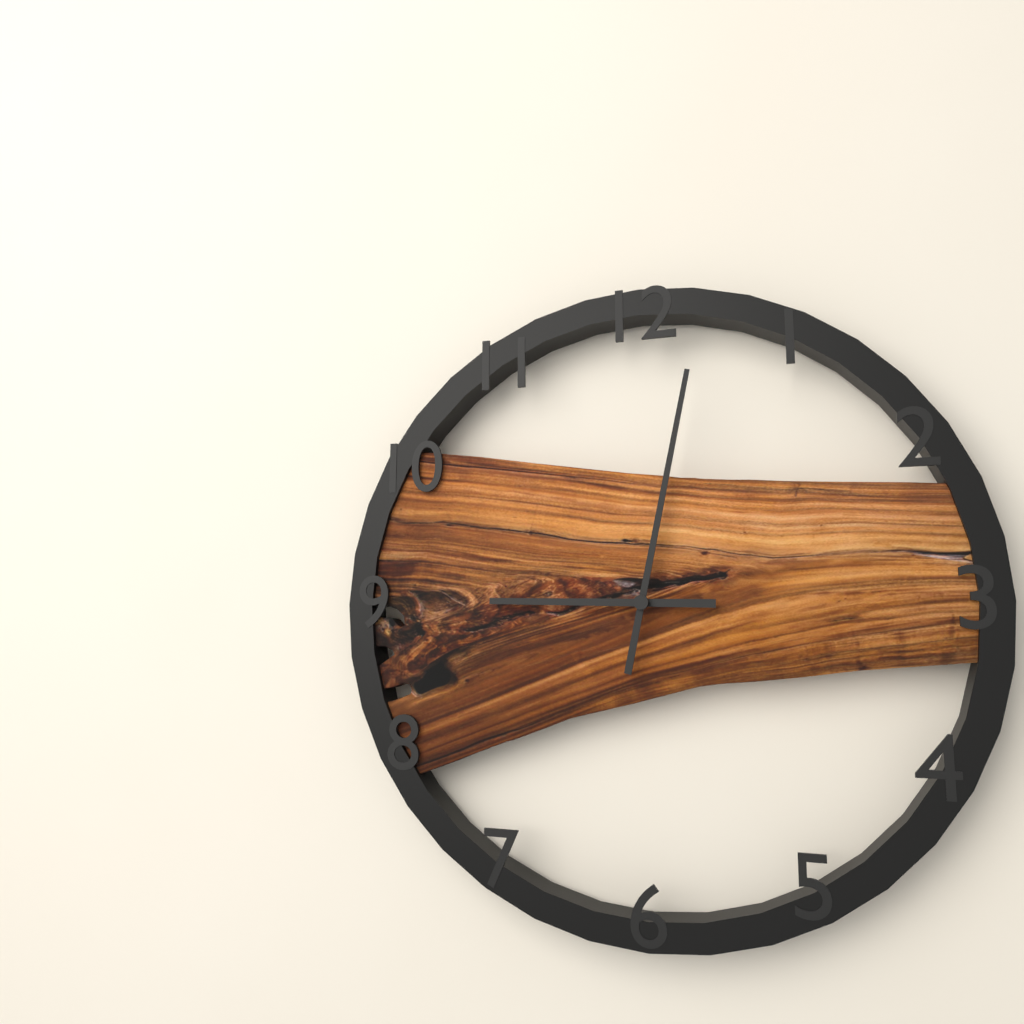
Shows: h=9 m=2
